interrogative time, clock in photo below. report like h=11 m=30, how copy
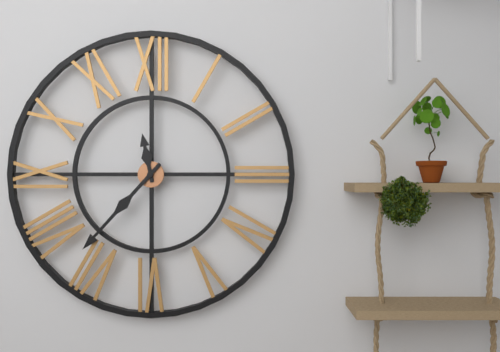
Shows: h=11 m=37
